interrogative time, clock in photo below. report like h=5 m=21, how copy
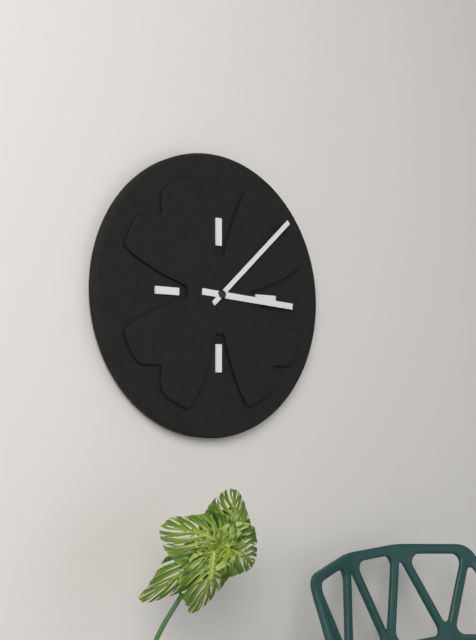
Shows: h=3 m=8
